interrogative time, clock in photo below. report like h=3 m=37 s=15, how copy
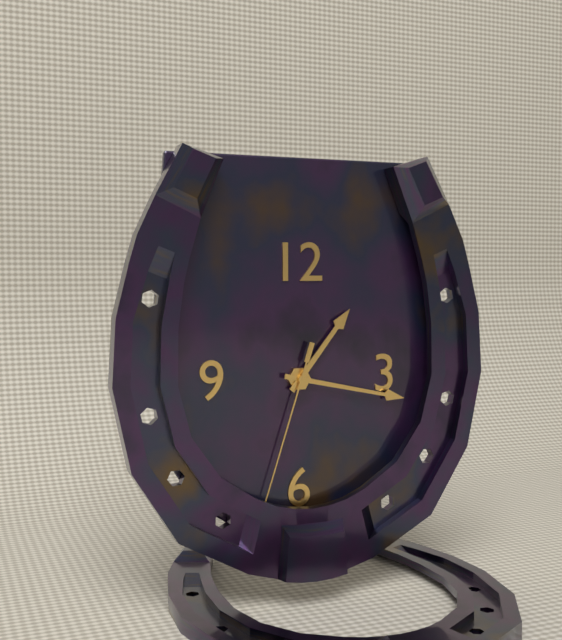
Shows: h=1 m=17 s=33
